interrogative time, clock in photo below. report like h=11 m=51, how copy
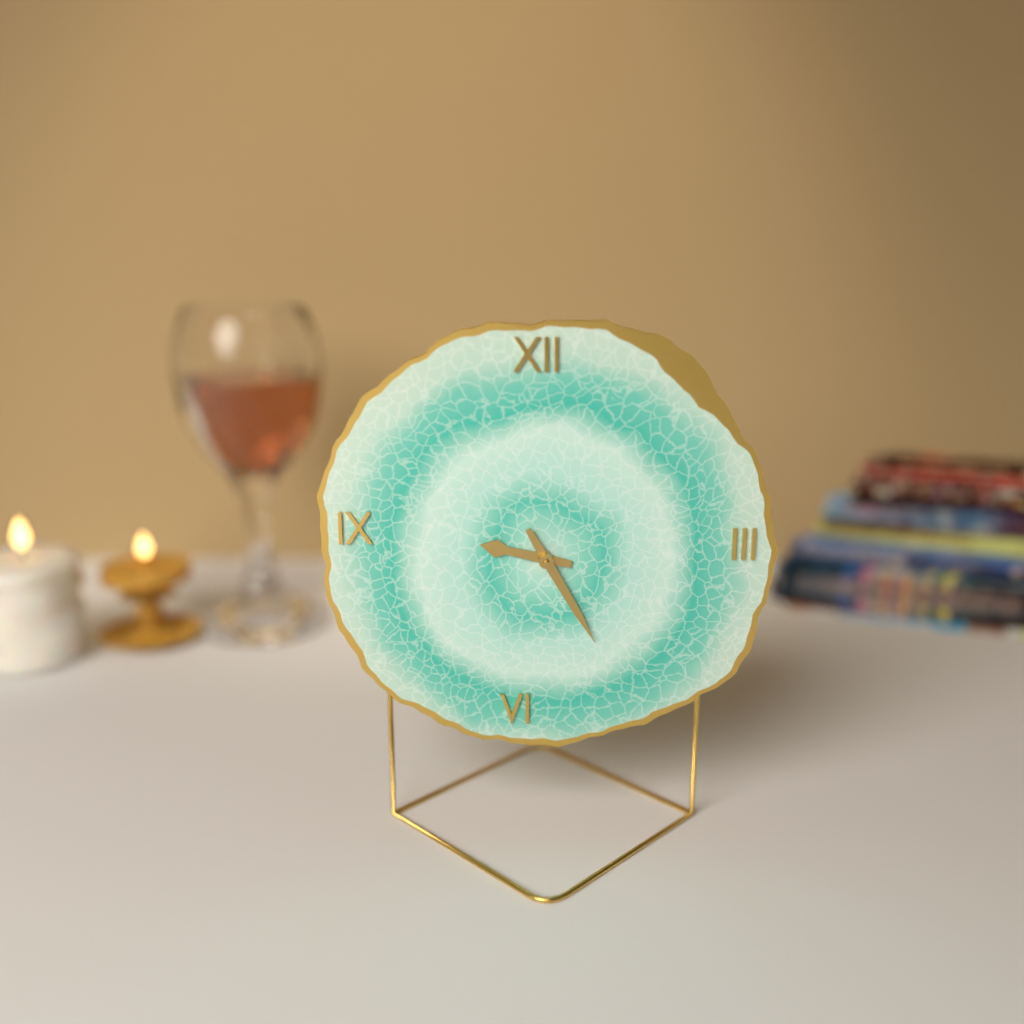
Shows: h=9 m=25
